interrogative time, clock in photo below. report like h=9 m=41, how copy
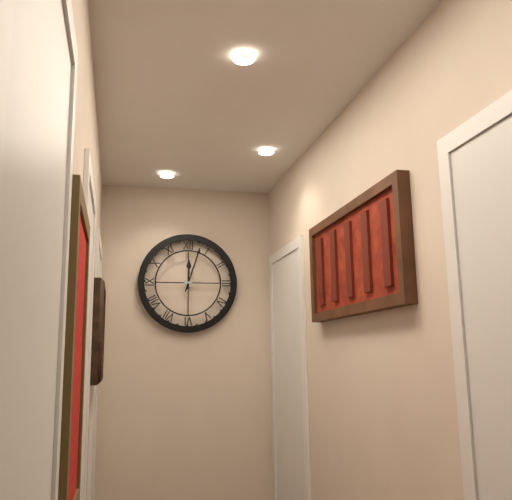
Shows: h=12 m=3
